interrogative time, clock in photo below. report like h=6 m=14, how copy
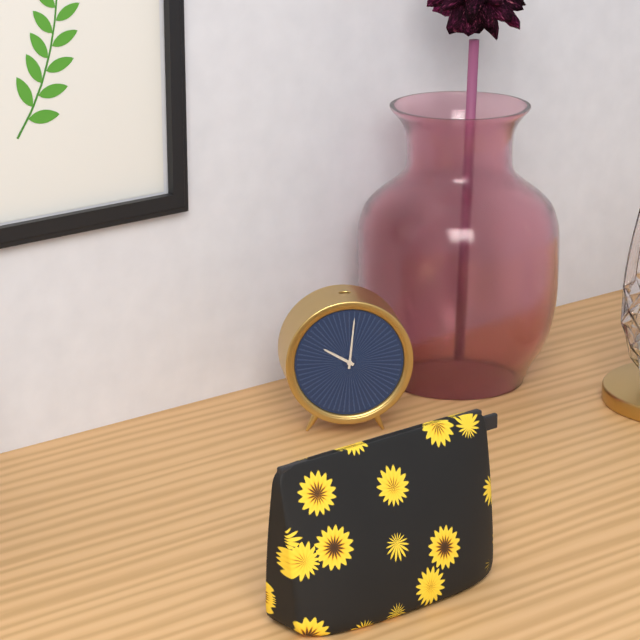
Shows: h=10 m=1
